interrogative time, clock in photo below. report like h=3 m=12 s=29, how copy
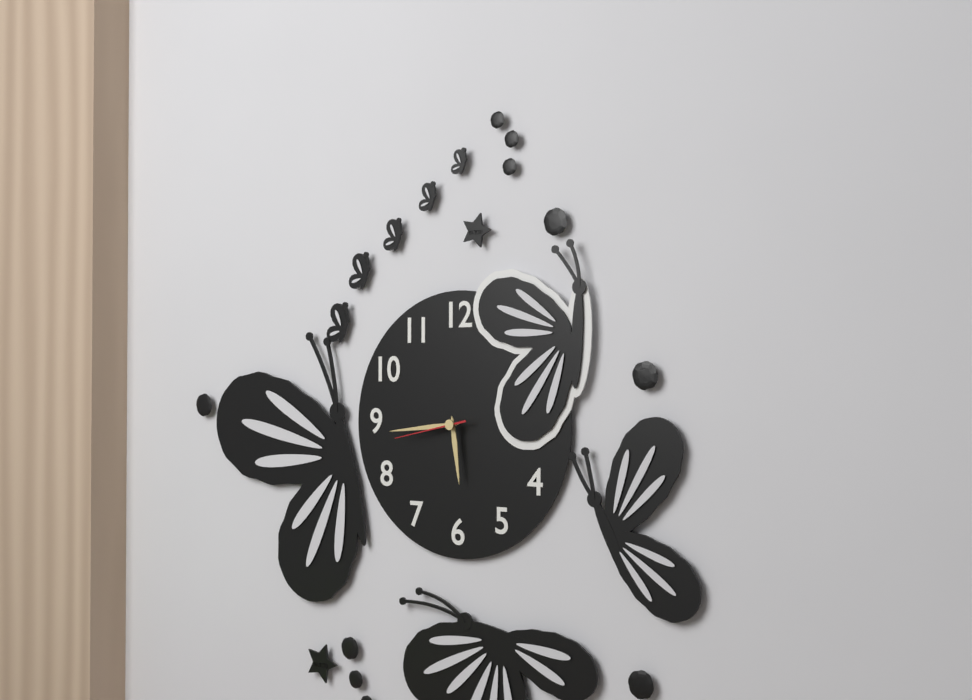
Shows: h=5 m=44 s=43
